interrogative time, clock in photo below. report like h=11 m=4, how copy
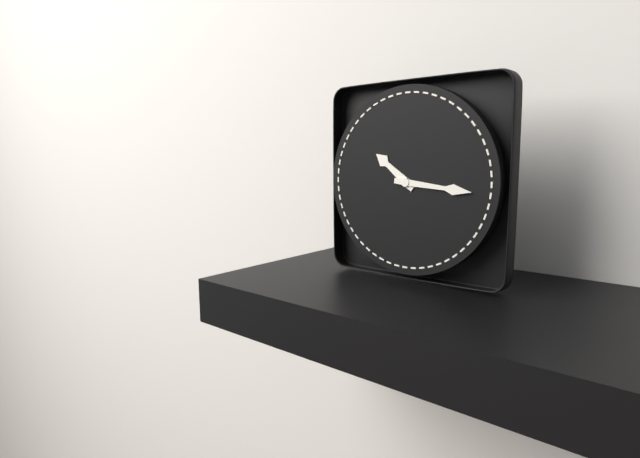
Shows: h=10 m=16
